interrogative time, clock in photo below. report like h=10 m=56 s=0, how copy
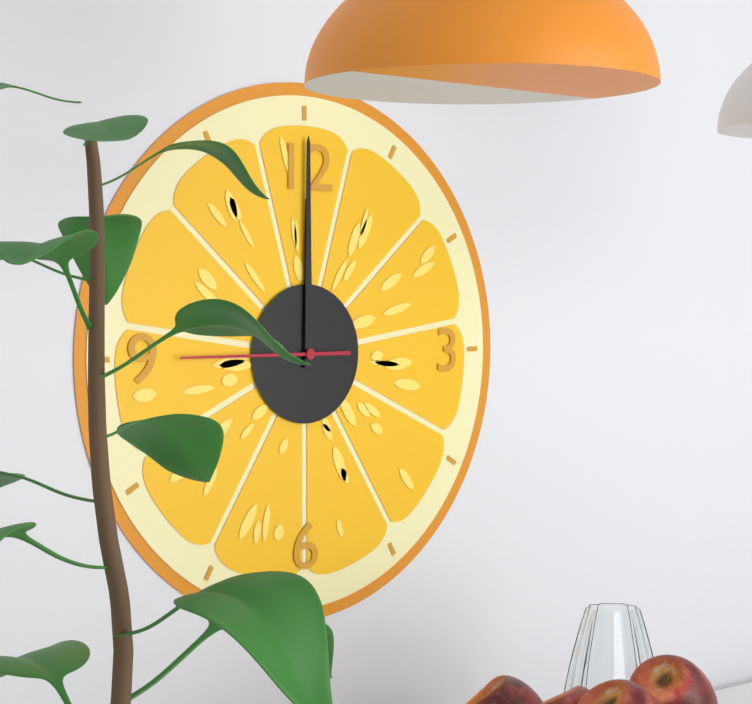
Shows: h=12 m=0 s=45
